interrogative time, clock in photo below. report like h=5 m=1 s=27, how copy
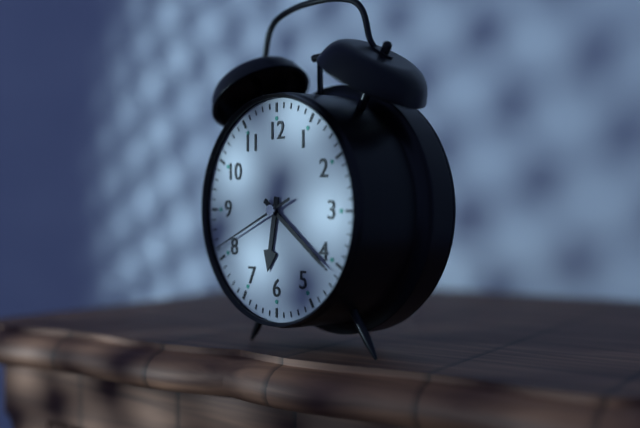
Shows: h=6 m=21 s=41
